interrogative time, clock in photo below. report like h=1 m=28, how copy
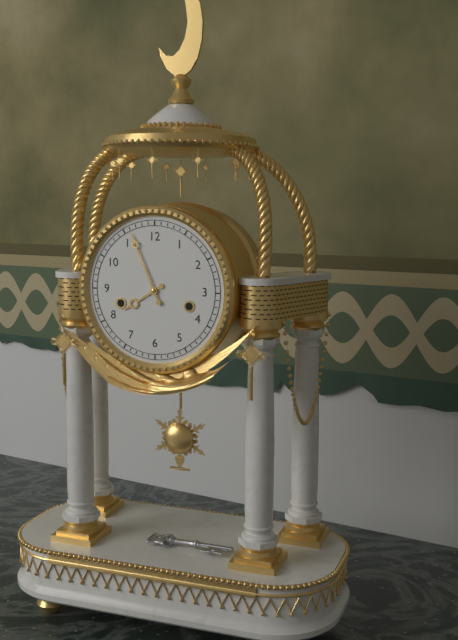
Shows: h=7 m=56
